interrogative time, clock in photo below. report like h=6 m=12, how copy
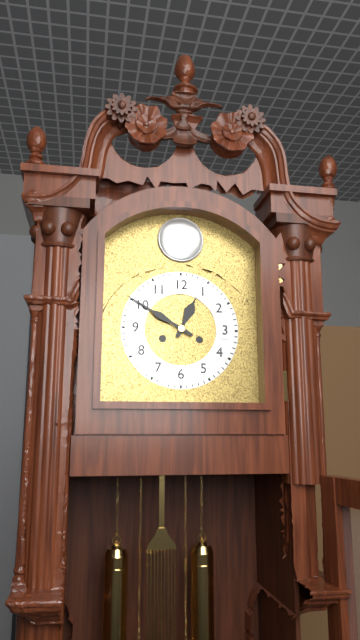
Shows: h=12 m=50
